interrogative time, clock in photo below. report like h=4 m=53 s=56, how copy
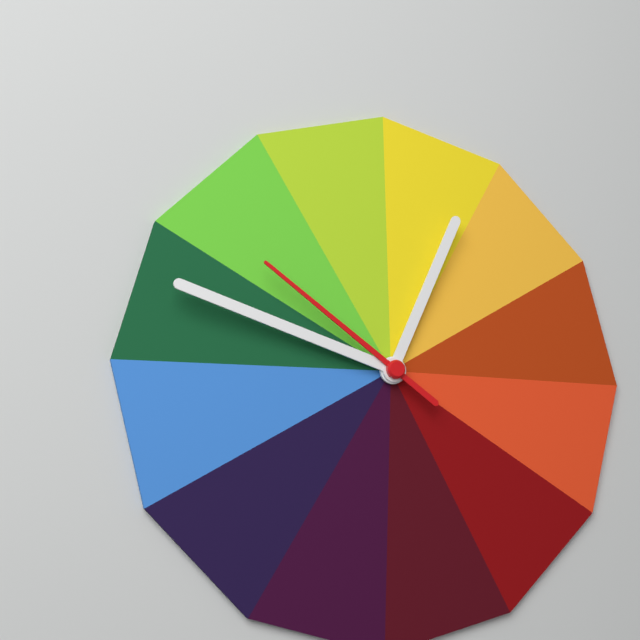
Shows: h=12 m=48 s=51
